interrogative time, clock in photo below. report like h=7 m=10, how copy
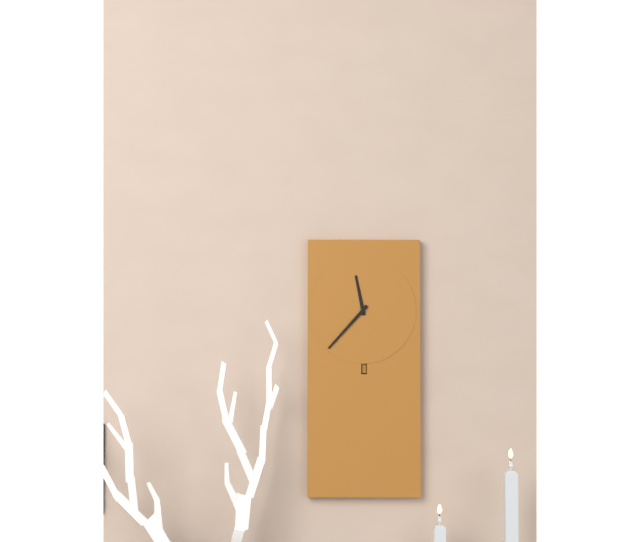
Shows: h=11 m=37
